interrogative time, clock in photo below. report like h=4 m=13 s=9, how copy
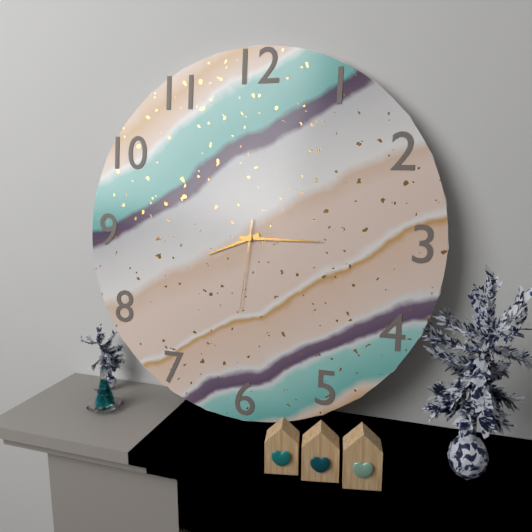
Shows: h=8 m=15 s=31
